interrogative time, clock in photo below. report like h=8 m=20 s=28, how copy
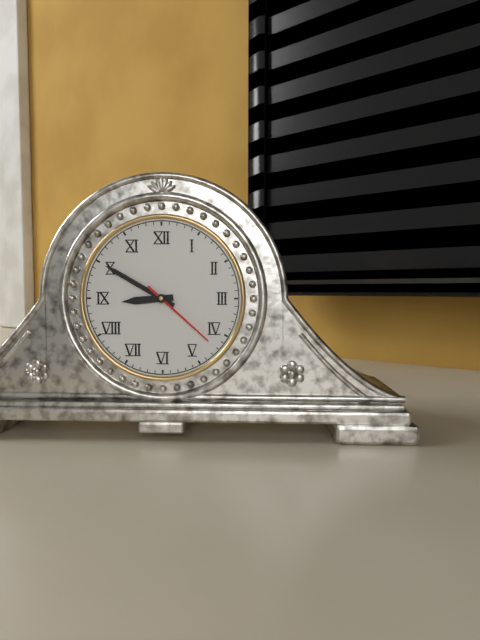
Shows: h=8 m=50 s=22
